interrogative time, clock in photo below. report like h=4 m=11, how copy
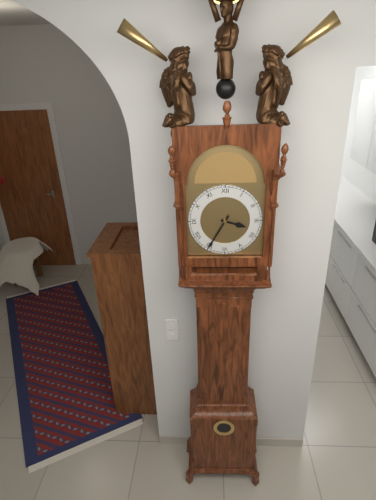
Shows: h=3 m=35
